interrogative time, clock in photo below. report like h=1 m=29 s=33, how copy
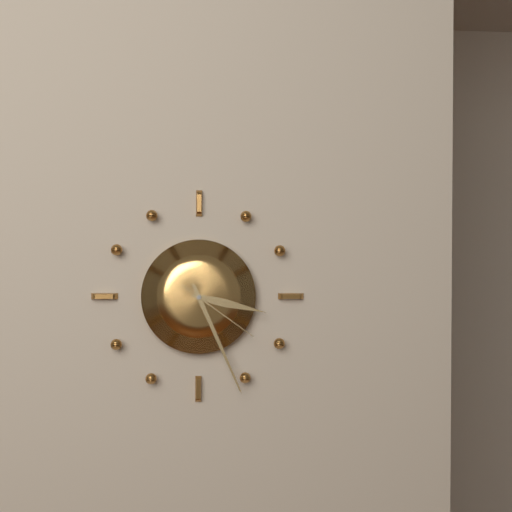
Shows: h=3 m=26 s=21
